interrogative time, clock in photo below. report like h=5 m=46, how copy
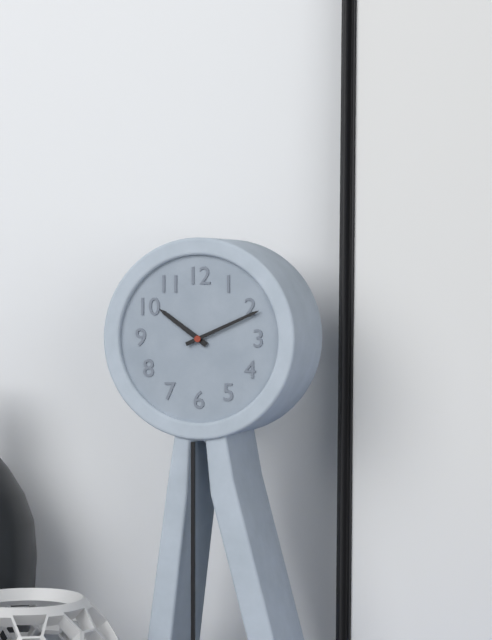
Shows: h=10 m=11
